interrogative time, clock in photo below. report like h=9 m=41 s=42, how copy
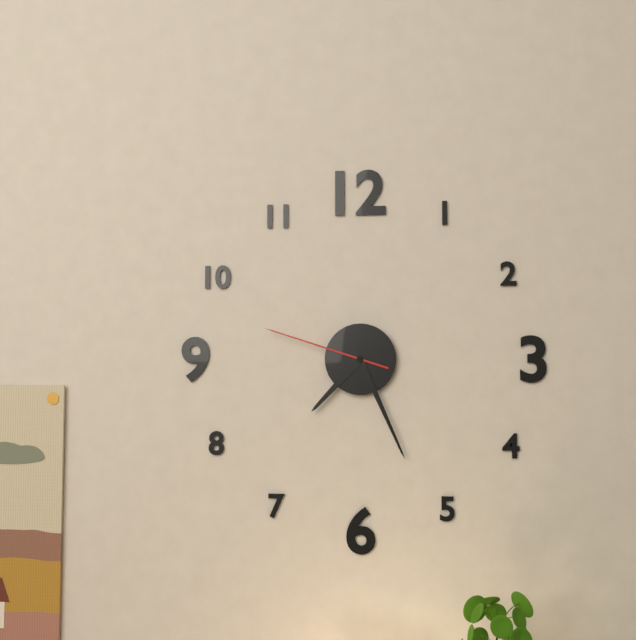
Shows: h=7 m=26 s=48
